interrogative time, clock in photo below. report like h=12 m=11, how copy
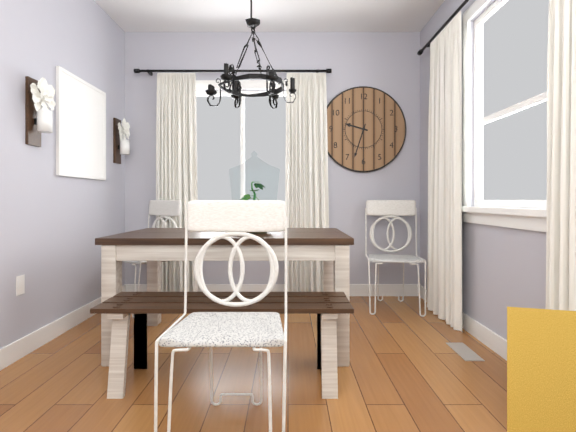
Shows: h=9 m=33
